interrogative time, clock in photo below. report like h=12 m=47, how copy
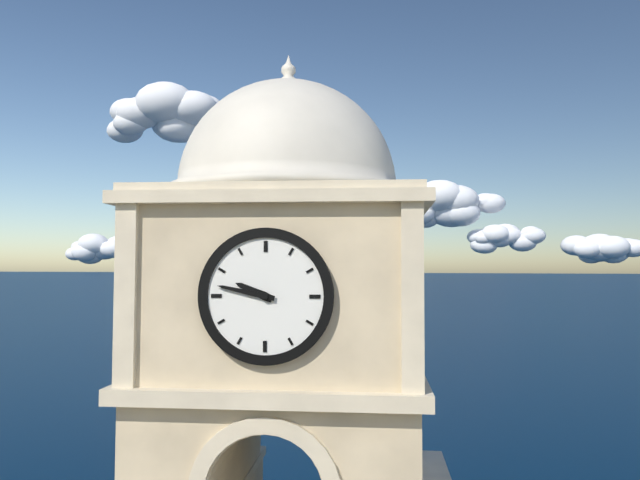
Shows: h=9 m=47
